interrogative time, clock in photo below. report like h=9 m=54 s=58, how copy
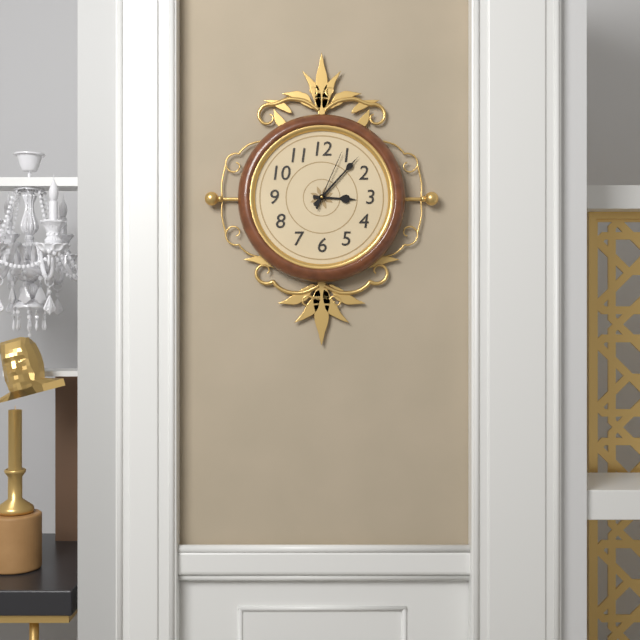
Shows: h=3 m=7 s=4
